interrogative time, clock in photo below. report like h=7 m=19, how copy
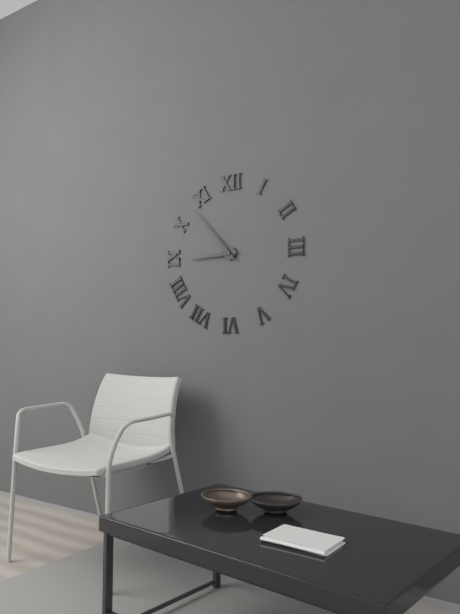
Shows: h=8 m=53
